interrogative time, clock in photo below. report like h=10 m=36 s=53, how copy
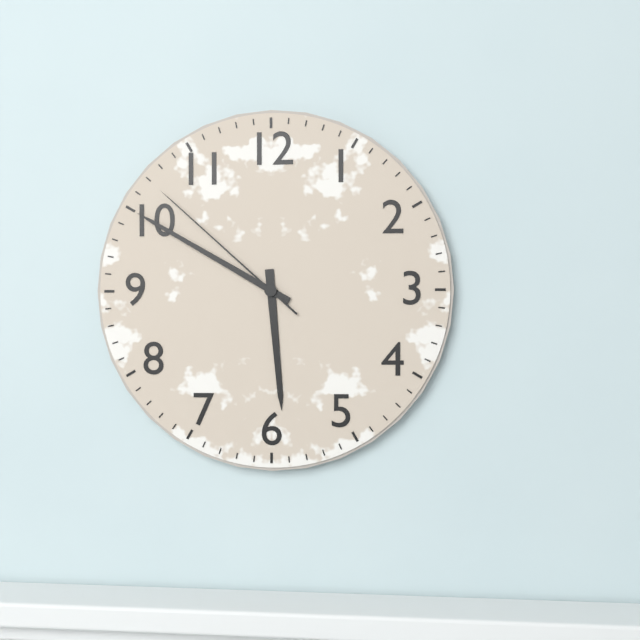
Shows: h=5 m=50 s=52
